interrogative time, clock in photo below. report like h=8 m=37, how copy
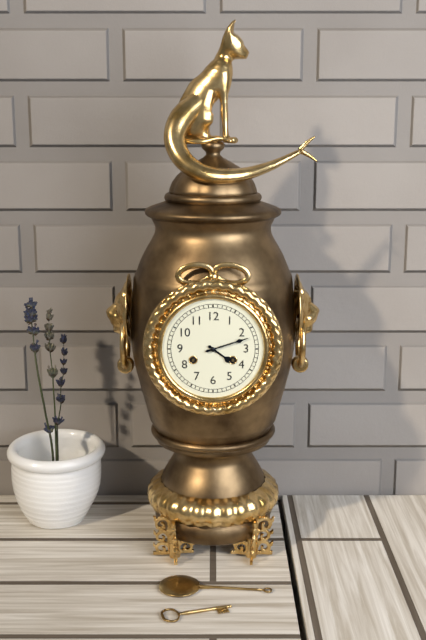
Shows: h=4 m=12
